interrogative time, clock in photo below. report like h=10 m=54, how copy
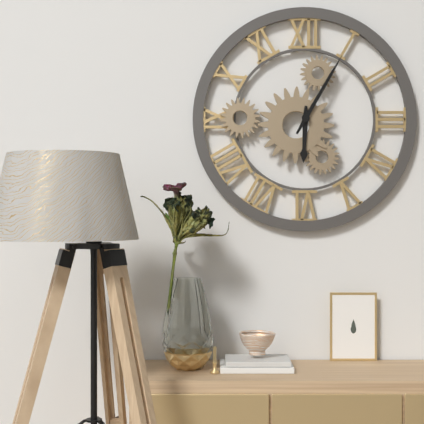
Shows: h=6 m=5
